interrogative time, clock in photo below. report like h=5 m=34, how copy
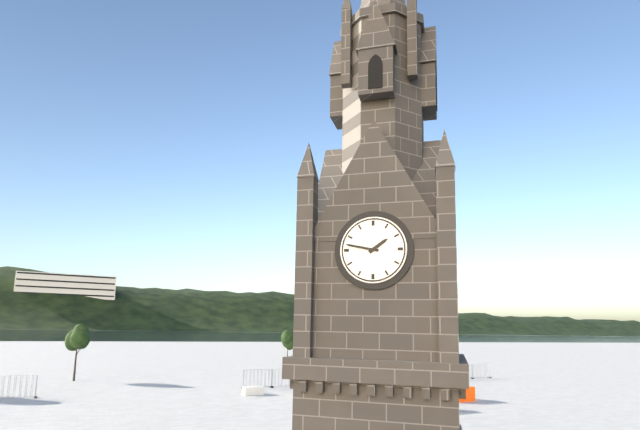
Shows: h=1 m=47
